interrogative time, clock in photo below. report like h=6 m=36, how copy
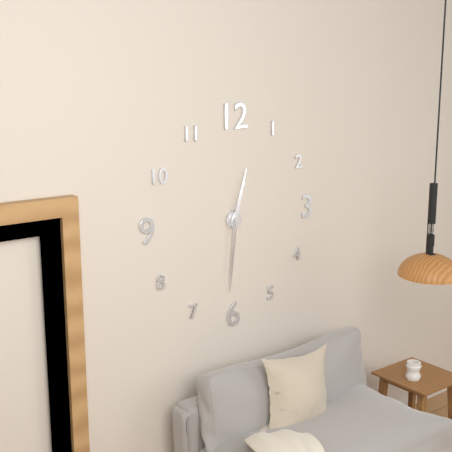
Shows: h=12 m=31
